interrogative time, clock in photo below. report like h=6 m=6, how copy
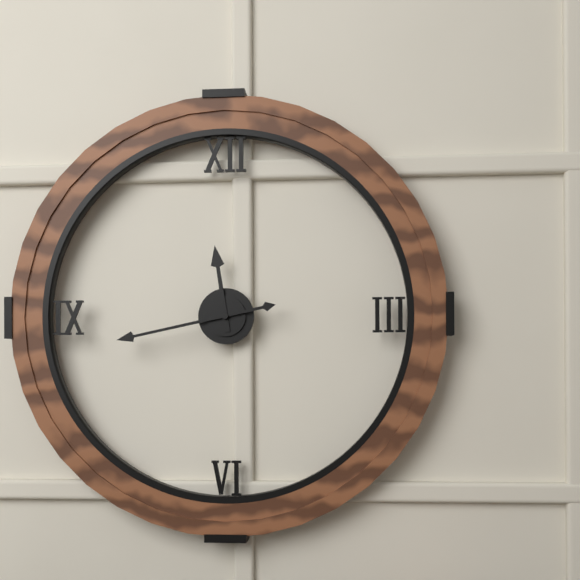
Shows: h=11 m=43
